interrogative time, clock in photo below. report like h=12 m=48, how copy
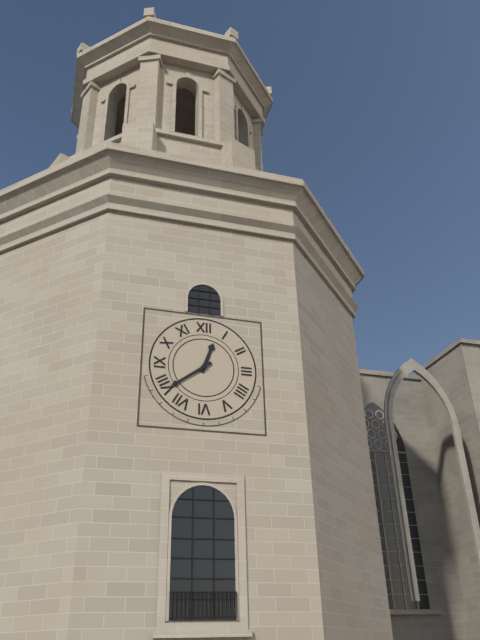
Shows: h=12 m=39
